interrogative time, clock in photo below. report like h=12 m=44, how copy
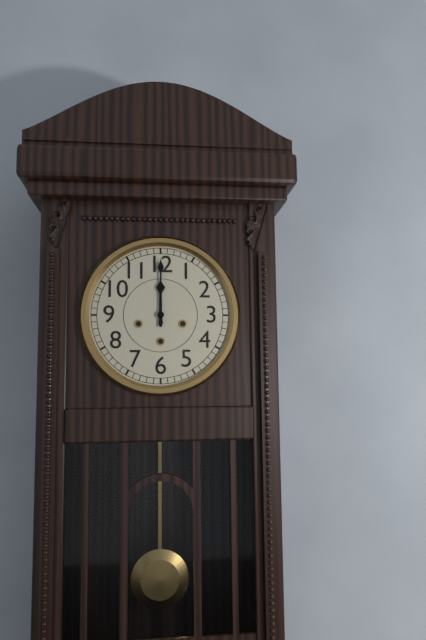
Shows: h=12 m=0
